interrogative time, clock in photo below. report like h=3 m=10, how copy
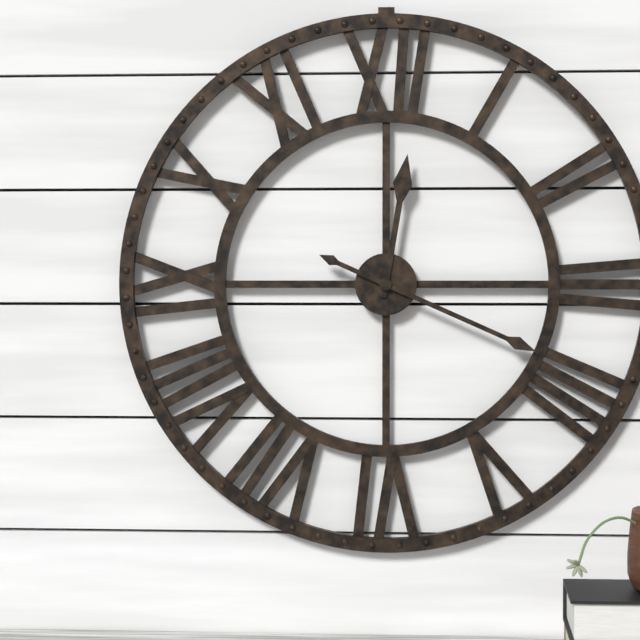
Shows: h=12 m=19
